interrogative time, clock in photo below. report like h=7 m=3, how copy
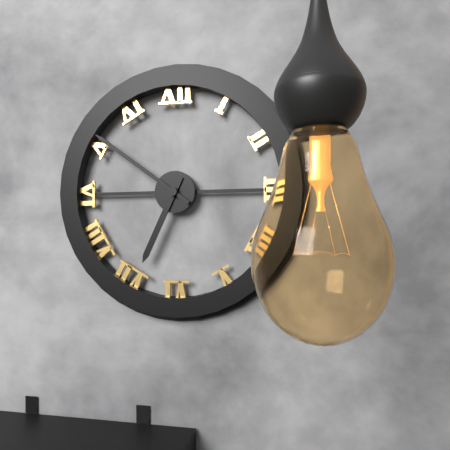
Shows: h=6 m=51
